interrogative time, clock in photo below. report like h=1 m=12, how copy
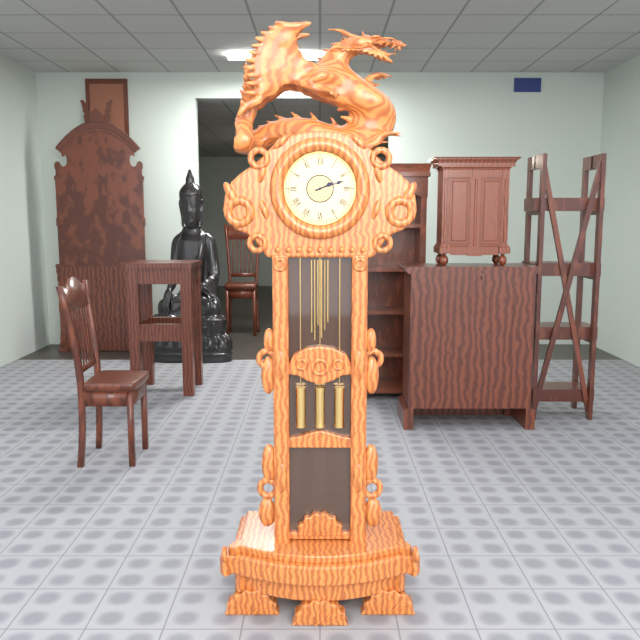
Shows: h=2 m=12
